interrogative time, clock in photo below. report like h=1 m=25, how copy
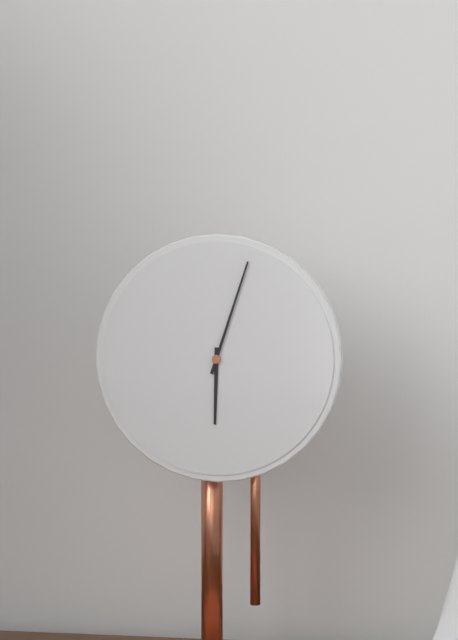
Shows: h=6 m=3
